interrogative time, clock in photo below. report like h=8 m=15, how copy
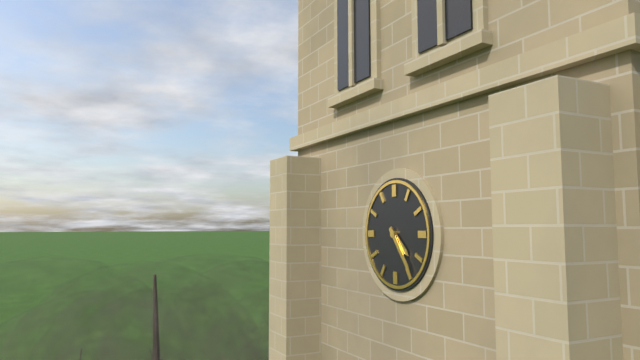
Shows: h=4 m=24
